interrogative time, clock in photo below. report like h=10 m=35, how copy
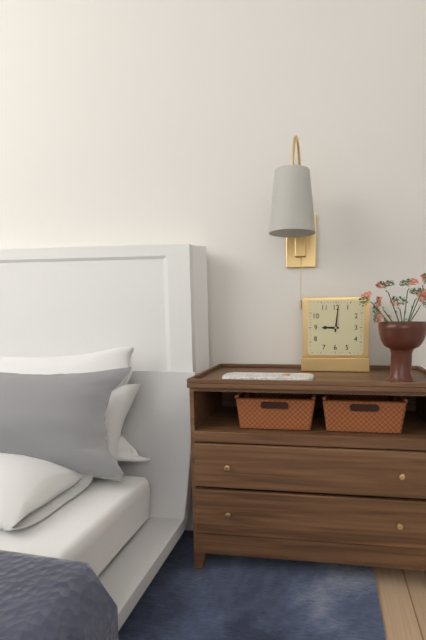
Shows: h=9 m=1
